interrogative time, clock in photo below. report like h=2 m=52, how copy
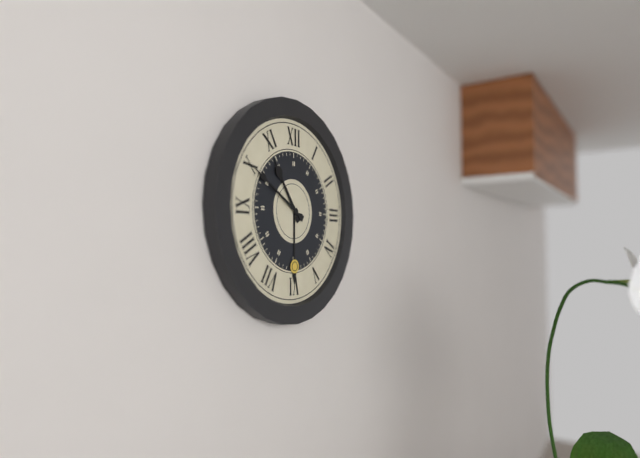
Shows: h=10 m=50
